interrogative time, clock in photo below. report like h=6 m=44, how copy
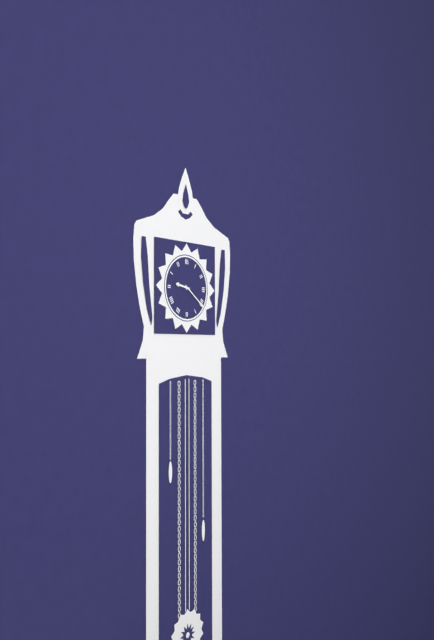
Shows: h=9 m=21
